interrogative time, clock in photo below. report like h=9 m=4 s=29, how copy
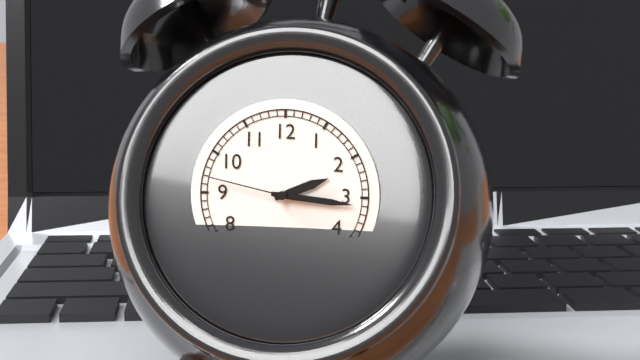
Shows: h=2 m=16 s=47
